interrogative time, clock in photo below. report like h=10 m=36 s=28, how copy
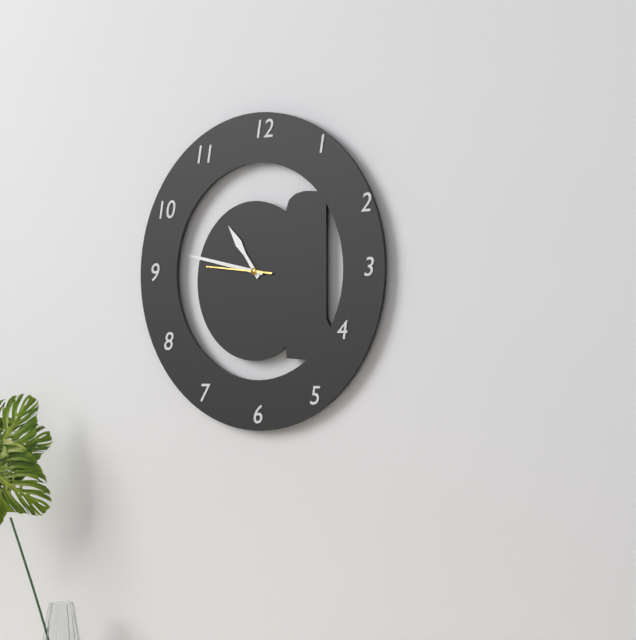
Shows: h=10 m=47 s=46
